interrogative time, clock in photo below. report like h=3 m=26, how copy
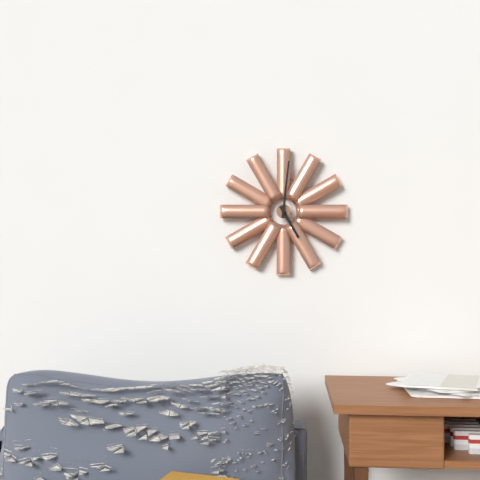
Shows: h=5 m=1
